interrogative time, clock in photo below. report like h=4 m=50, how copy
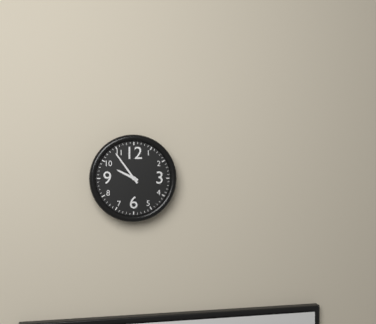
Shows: h=9 m=54
